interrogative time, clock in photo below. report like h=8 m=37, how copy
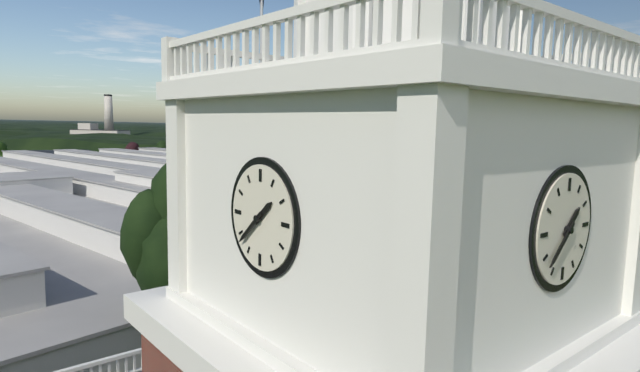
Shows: h=1 m=38
